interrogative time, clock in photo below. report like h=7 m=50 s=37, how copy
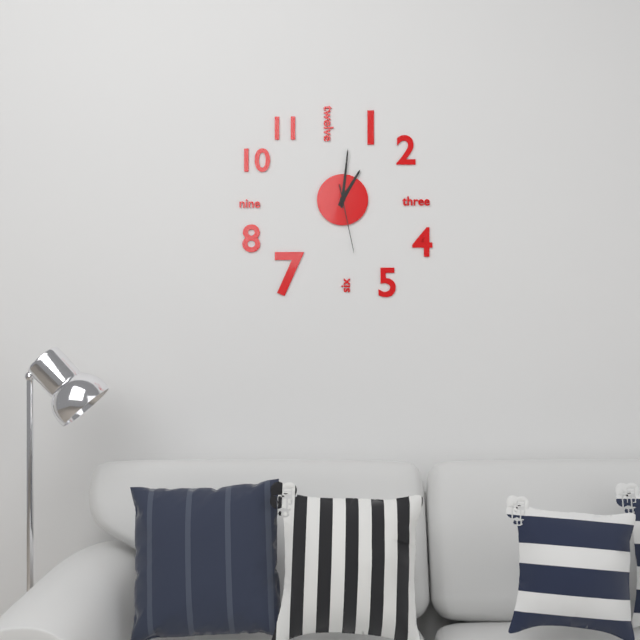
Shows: h=1 m=1 s=28
